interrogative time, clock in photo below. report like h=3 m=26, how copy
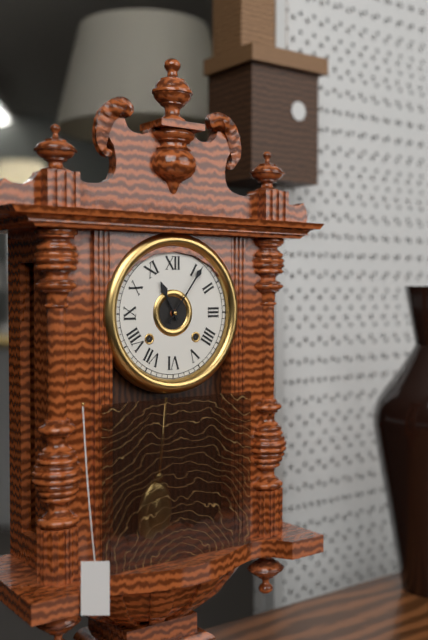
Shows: h=11 m=6
